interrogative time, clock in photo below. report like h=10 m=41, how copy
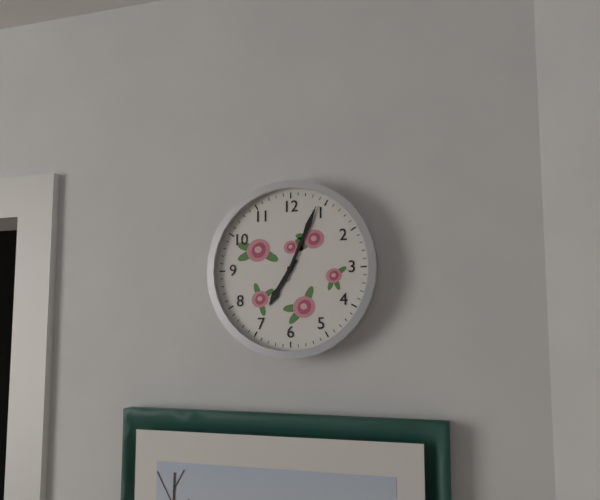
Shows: h=7 m=4
